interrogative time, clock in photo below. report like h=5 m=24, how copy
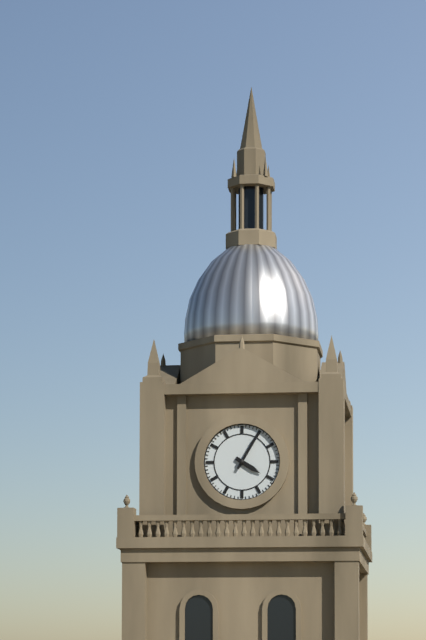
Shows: h=4 m=5
